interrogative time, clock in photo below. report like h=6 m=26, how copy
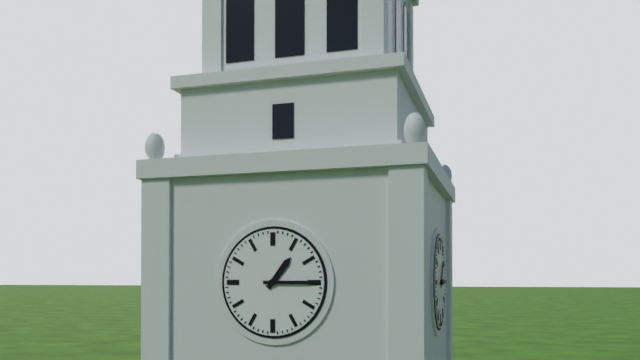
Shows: h=1 m=15
